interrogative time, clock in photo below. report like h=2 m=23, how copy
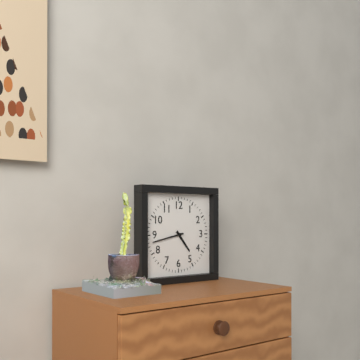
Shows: h=4 m=43
